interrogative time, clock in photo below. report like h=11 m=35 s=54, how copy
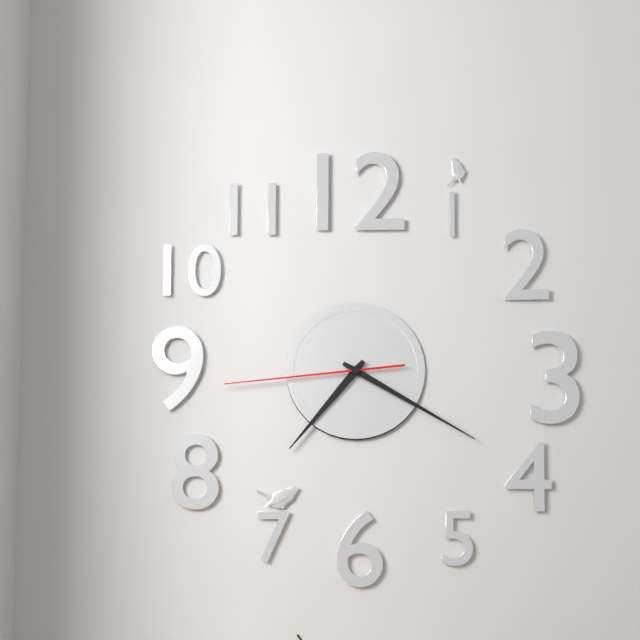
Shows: h=7 m=20 s=44
